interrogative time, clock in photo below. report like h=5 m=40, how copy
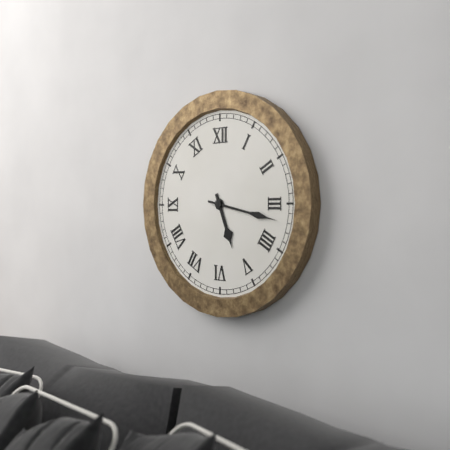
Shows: h=5 m=17
